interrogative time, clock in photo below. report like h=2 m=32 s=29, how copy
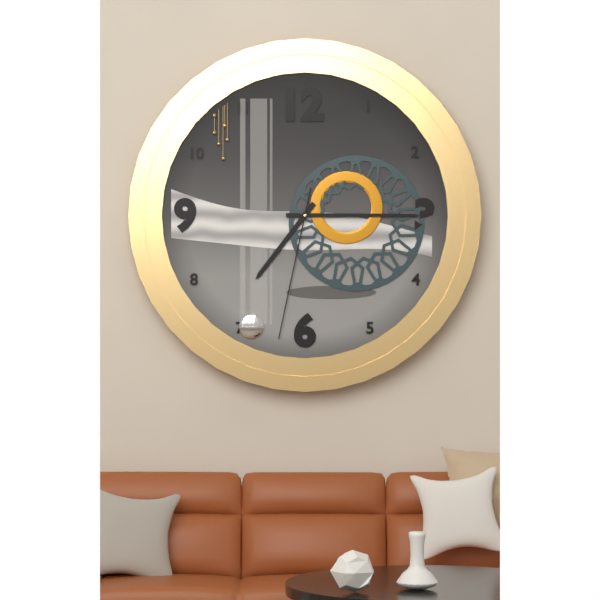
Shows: h=7 m=15 s=32
